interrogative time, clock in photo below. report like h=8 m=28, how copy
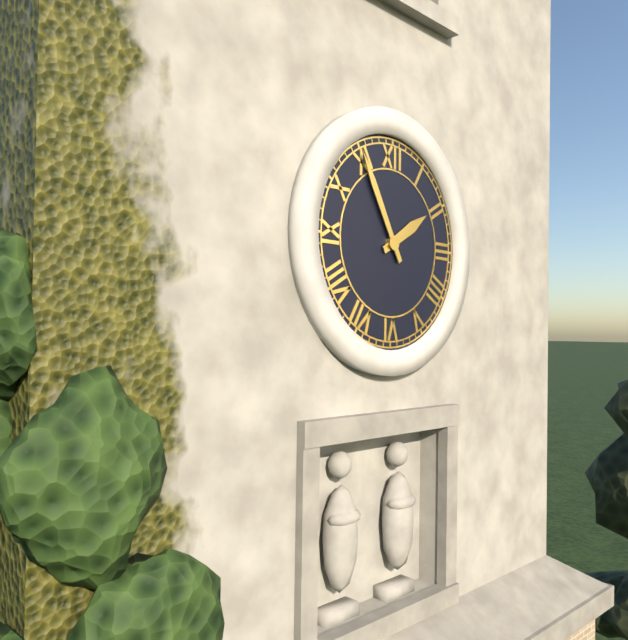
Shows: h=1 m=55
